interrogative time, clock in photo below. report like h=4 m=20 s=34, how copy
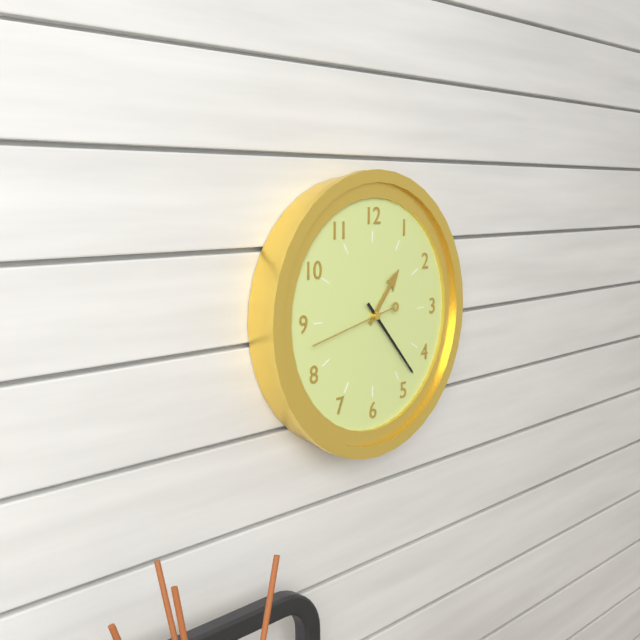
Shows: h=1 m=23 s=43
